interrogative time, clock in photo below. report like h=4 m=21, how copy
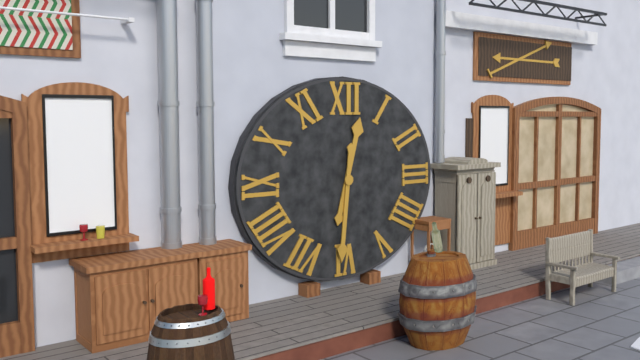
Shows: h=12 m=31
